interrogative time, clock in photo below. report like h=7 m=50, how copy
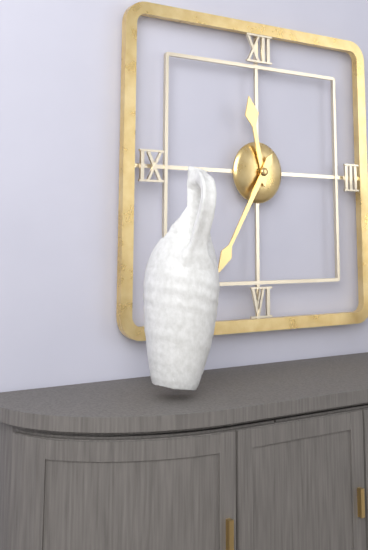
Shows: h=11 m=35
